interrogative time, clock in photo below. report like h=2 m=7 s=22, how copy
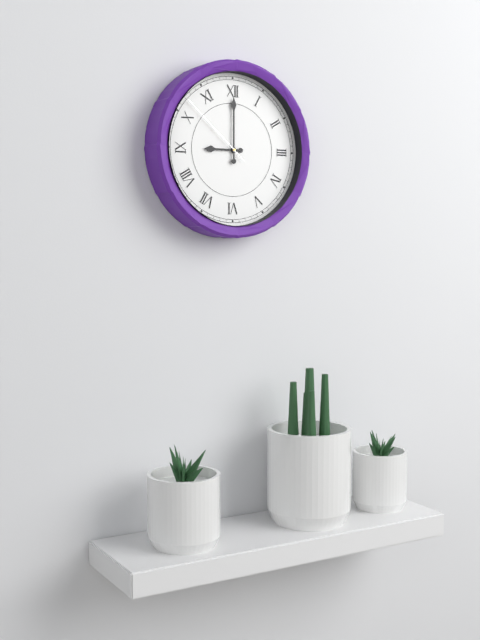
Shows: h=9 m=0 s=52
